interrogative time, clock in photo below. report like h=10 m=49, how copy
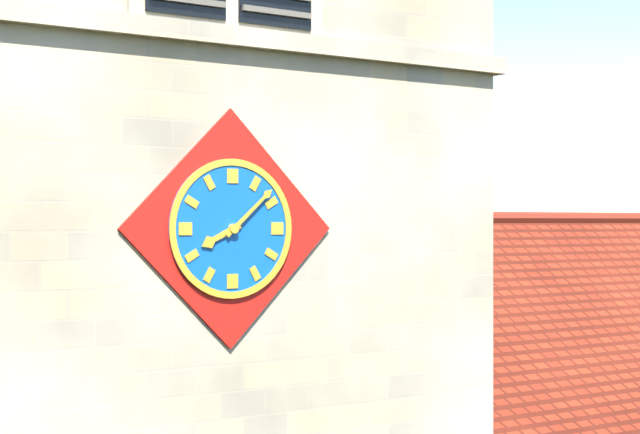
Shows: h=8 m=8
